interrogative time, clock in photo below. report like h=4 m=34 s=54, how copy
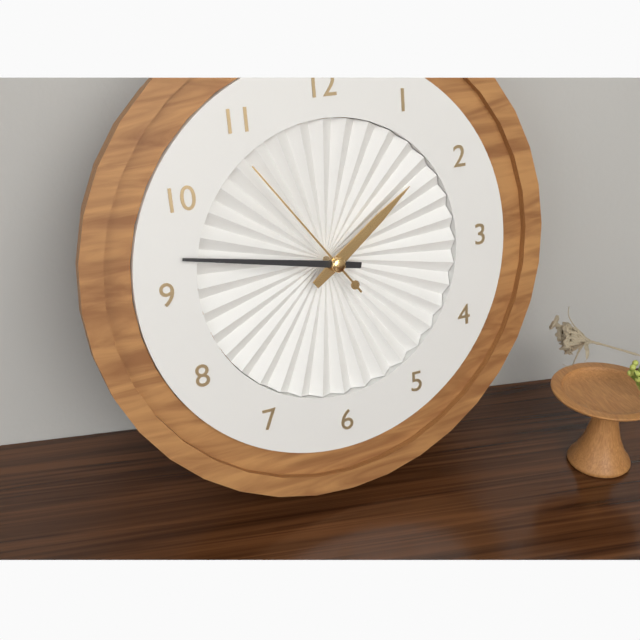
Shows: h=1 m=47 s=54
